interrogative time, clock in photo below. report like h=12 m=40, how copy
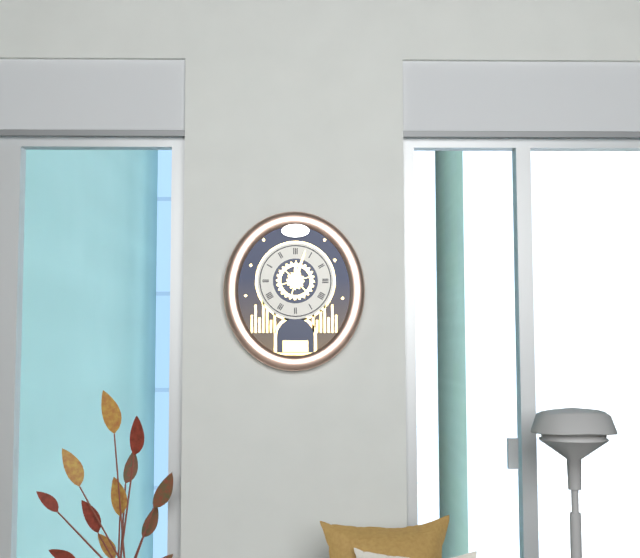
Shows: h=12 m=3
